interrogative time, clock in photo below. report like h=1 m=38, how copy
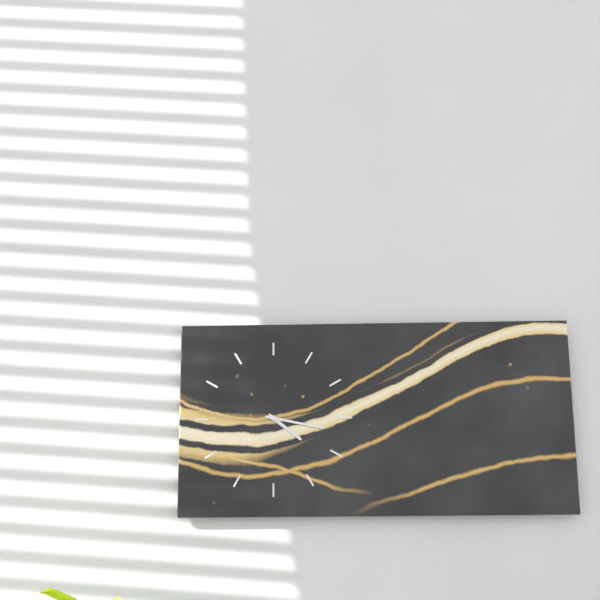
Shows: h=4 m=17
